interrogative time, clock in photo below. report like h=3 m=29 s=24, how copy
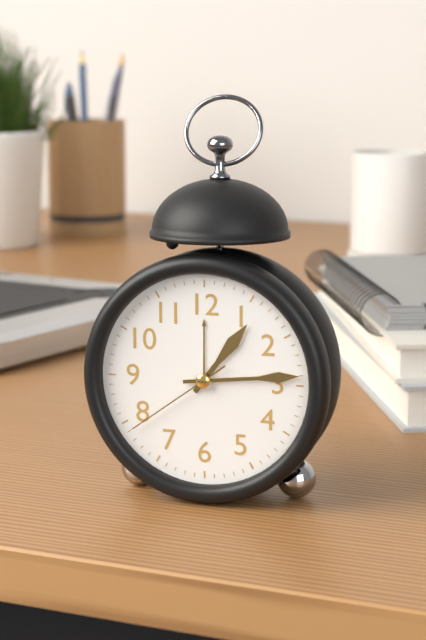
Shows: h=1 m=14 s=39
